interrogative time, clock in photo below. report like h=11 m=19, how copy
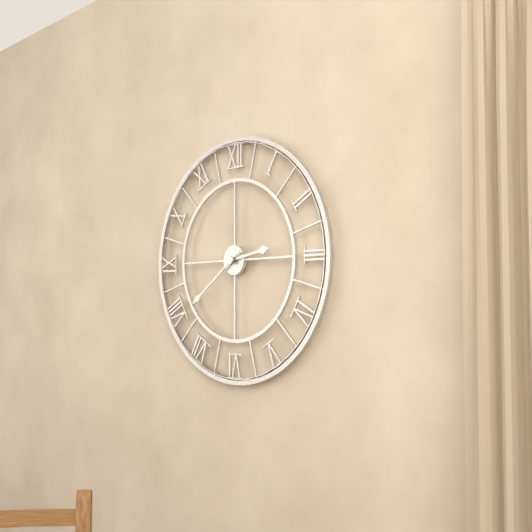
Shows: h=2 m=39
